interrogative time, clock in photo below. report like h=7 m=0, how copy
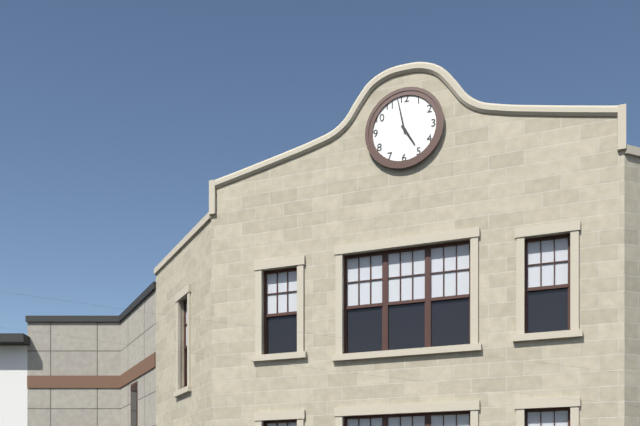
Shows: h=4 m=58
